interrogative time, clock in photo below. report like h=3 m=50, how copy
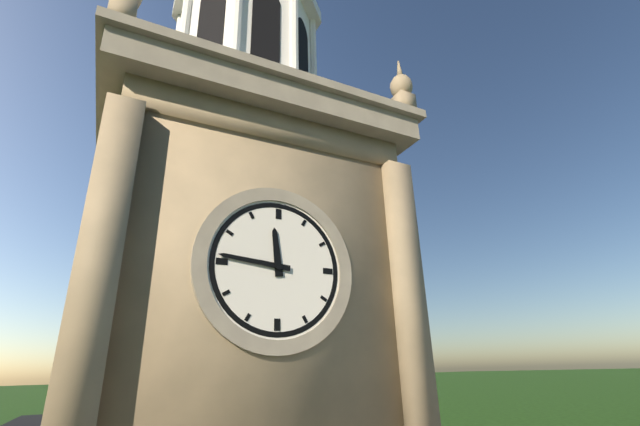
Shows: h=11 m=46
